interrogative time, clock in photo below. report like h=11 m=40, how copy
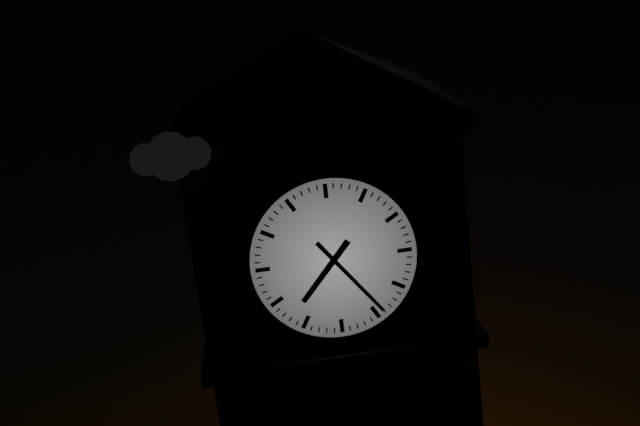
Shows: h=7 m=24
